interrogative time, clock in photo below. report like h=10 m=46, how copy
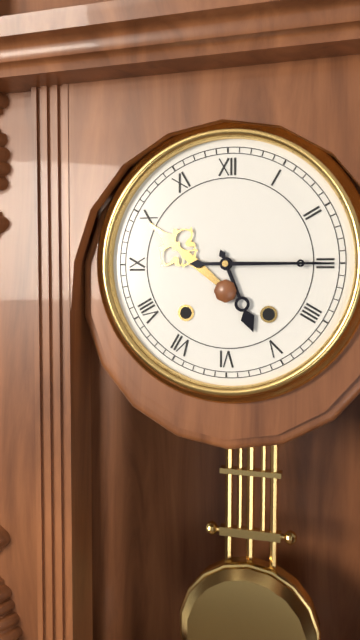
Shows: h=5 m=15
